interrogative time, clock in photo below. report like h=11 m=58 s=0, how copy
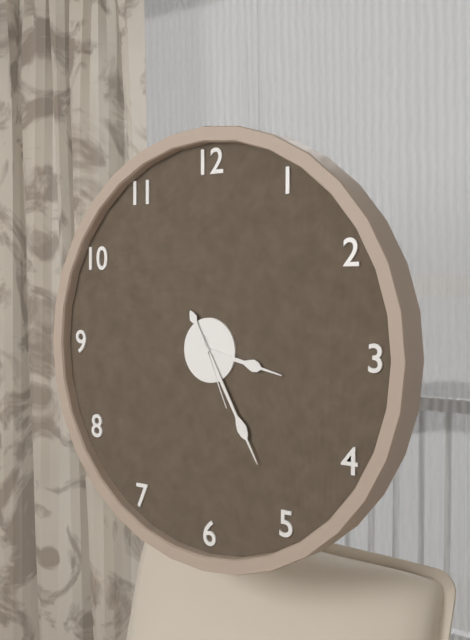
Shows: h=3 m=25 s=26
